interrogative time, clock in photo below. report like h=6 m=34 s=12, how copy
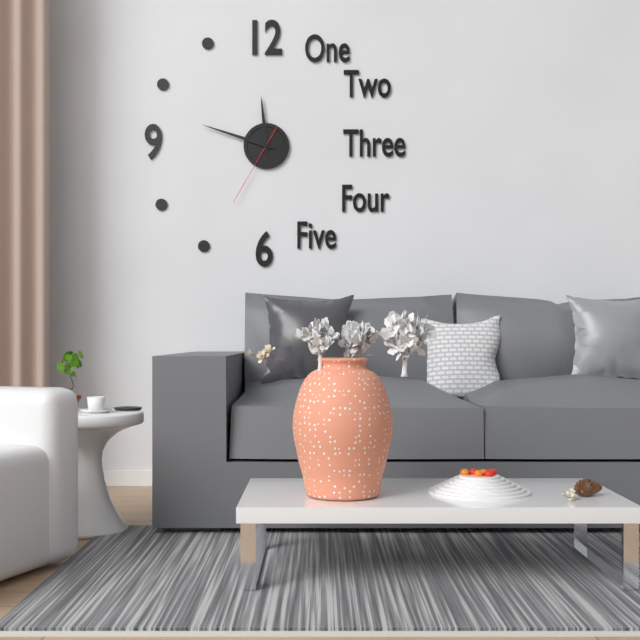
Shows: h=11 m=48 s=35
